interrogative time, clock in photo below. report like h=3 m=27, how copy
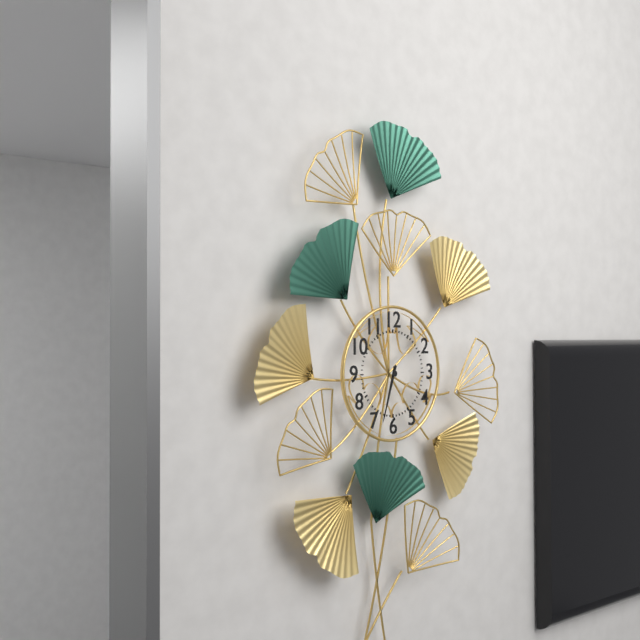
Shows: h=6 m=33
